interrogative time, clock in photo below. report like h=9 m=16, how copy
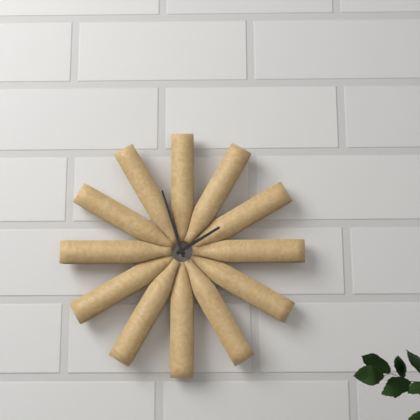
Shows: h=1 m=57
